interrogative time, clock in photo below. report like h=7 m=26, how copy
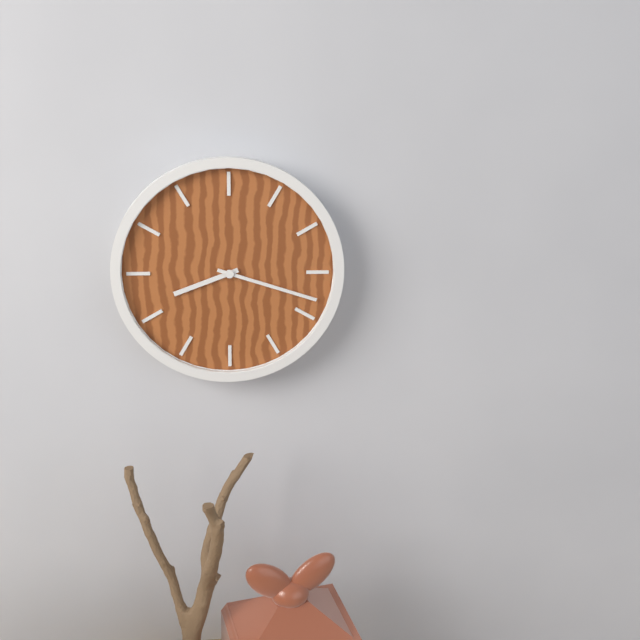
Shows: h=8 m=18
